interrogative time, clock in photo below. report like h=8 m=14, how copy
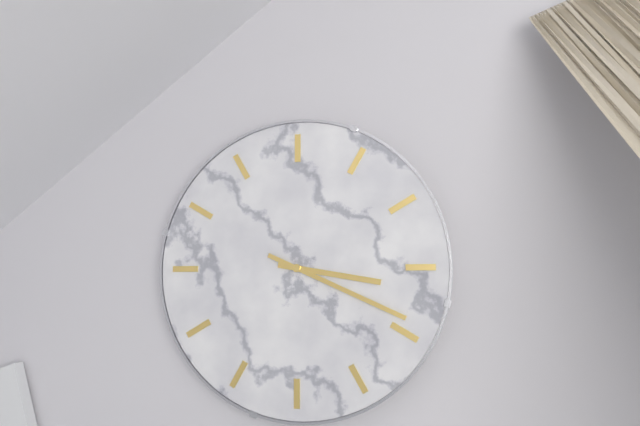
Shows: h=3 m=19
